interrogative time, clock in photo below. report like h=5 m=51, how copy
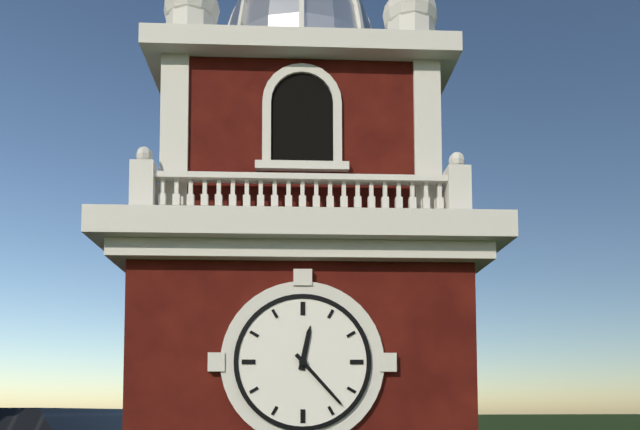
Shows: h=12 m=23
